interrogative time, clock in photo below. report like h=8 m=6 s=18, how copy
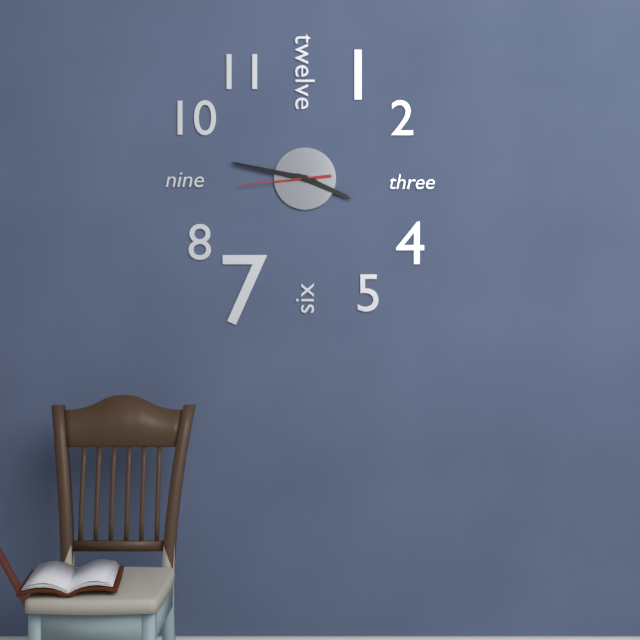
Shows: h=3 m=47 s=44
